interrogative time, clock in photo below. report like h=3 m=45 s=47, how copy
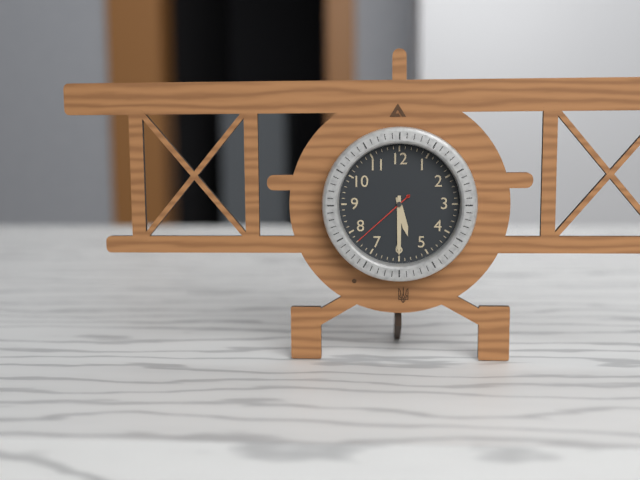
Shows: h=5 m=30 s=38
